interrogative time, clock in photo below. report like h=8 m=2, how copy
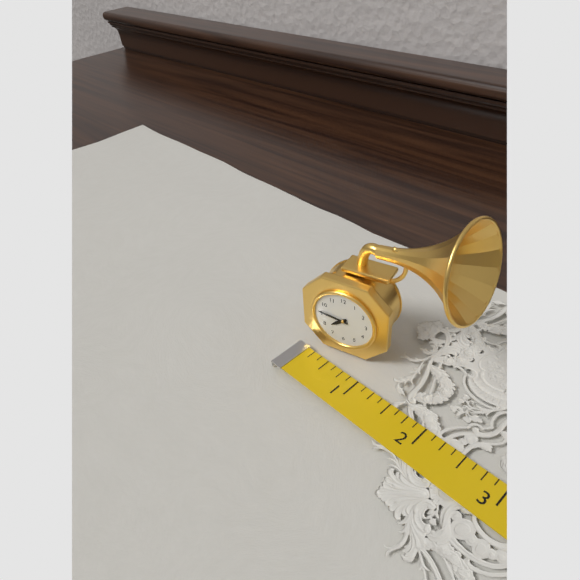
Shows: h=7 m=46
